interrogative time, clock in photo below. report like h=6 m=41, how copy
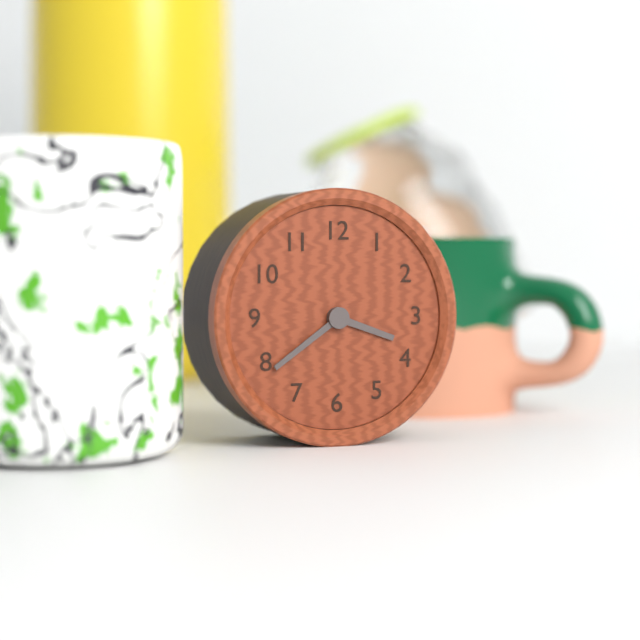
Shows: h=3 m=39
